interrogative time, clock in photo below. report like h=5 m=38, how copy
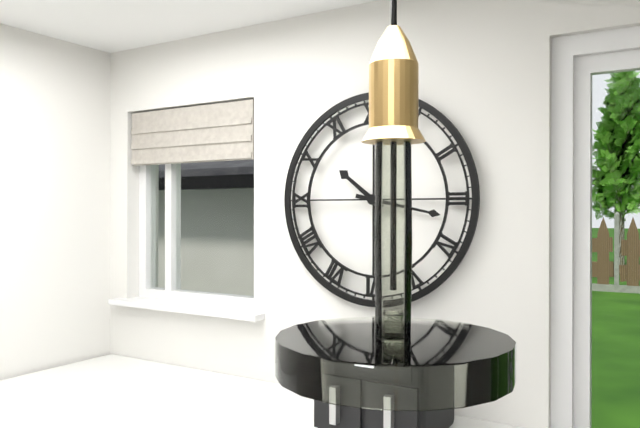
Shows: h=10 m=17
